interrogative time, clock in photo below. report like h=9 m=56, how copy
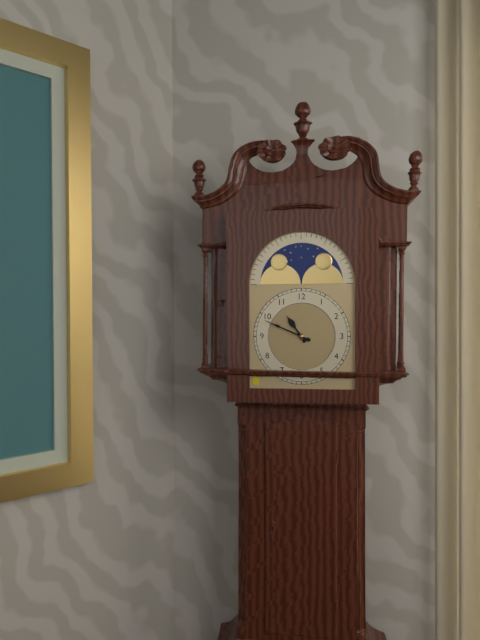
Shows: h=10 m=49
